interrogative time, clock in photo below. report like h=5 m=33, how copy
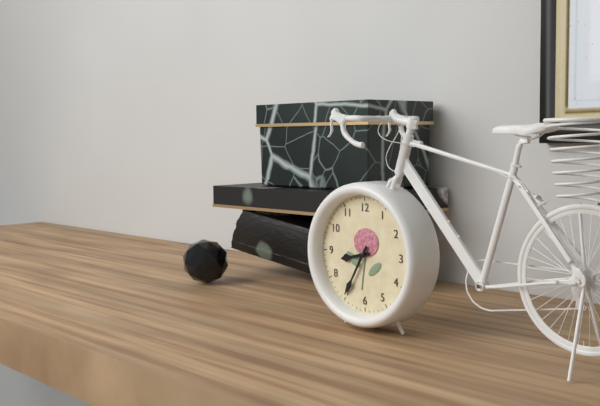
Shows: h=8 m=35
